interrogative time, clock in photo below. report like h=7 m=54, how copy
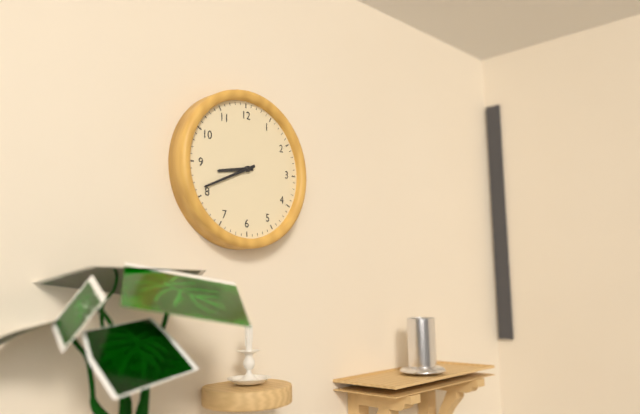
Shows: h=8 m=41
